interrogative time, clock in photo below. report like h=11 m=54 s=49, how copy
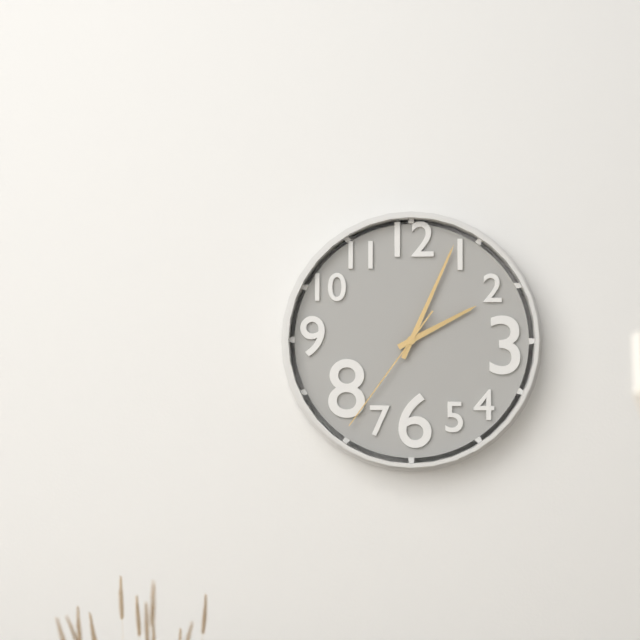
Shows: h=2 m=4 s=36
